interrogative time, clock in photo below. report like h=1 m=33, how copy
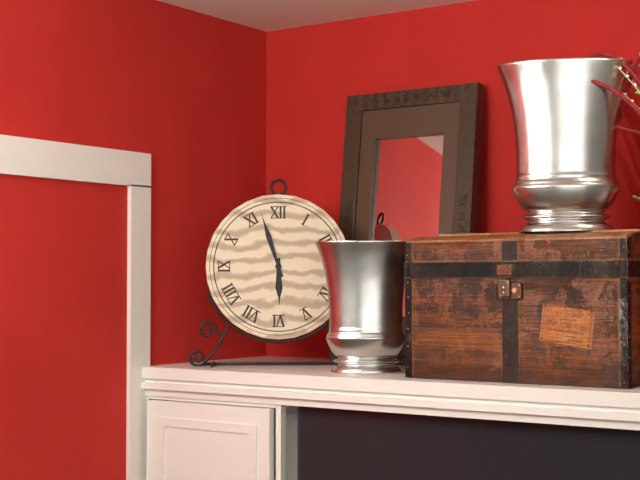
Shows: h=5 m=57
